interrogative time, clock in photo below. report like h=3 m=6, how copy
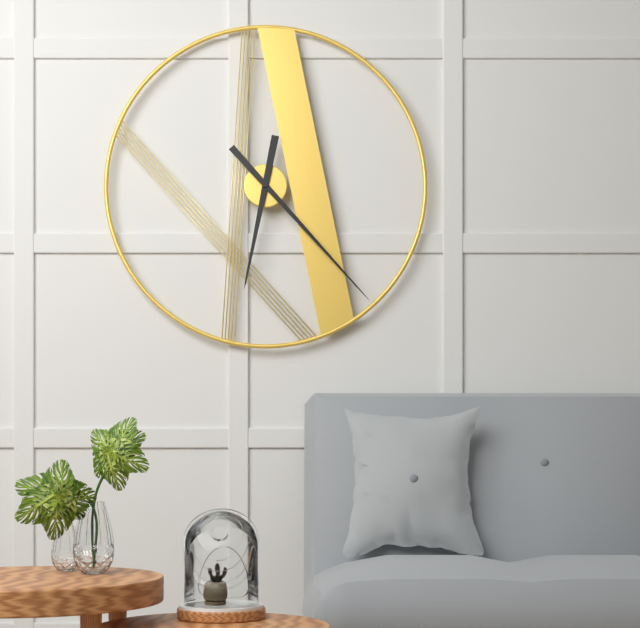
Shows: h=6 m=23
